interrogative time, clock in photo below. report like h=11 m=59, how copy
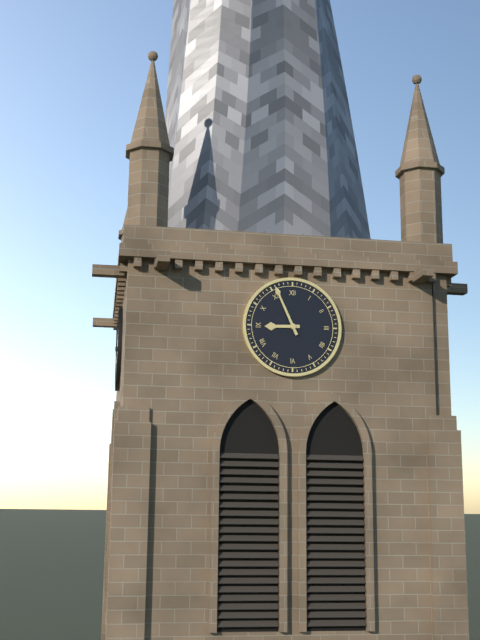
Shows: h=8 m=56
